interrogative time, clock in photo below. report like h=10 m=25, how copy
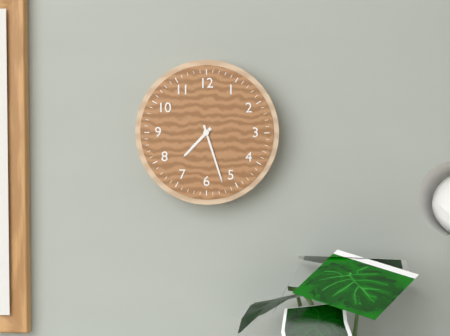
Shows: h=7 m=27
